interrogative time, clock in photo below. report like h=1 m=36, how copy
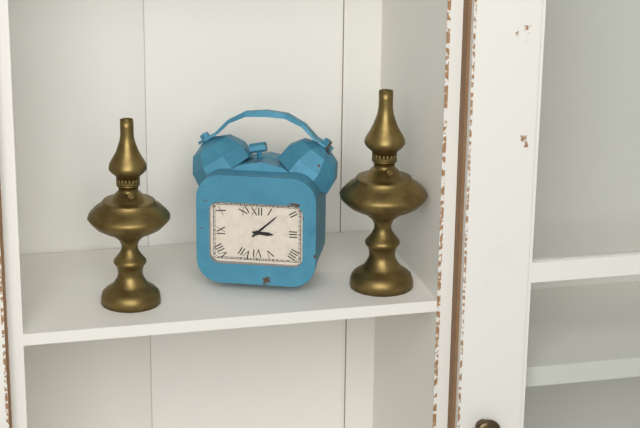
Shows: h=3 m=8
